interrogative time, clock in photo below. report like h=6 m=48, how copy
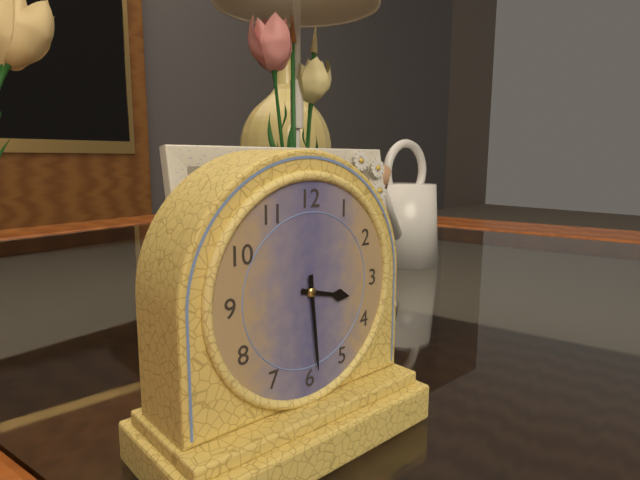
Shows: h=3 m=29
